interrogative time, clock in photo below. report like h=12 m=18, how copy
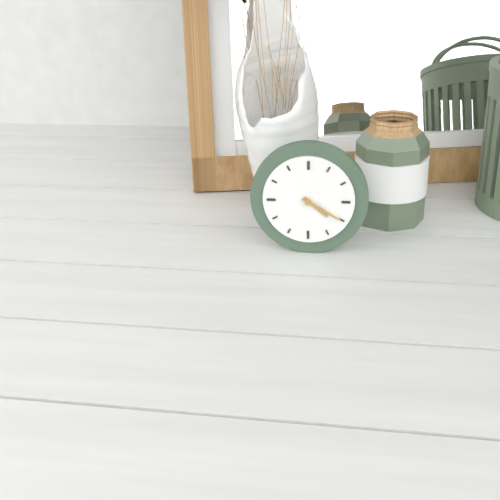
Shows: h=4 m=20
